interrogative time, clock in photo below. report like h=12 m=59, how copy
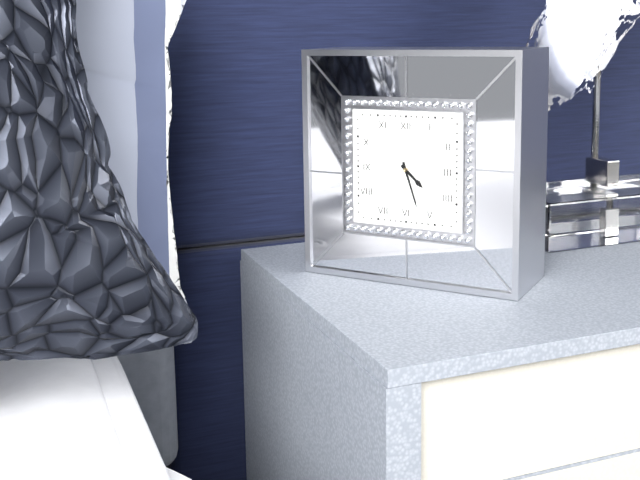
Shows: h=4 m=27
